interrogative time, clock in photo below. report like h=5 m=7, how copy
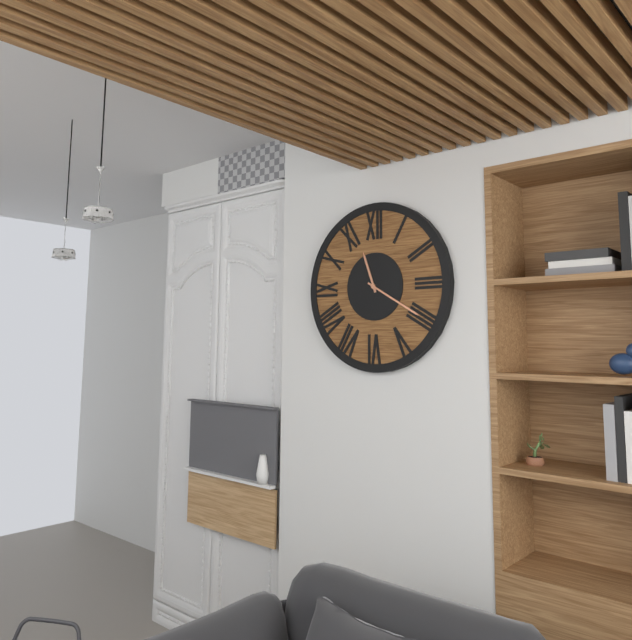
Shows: h=11 m=20
